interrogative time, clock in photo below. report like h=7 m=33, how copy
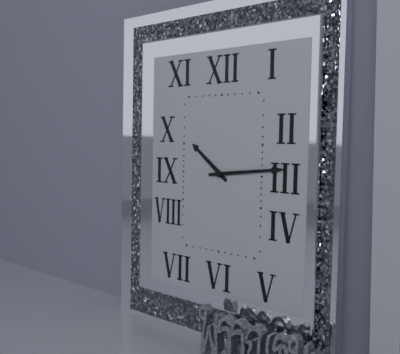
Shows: h=10 m=14
